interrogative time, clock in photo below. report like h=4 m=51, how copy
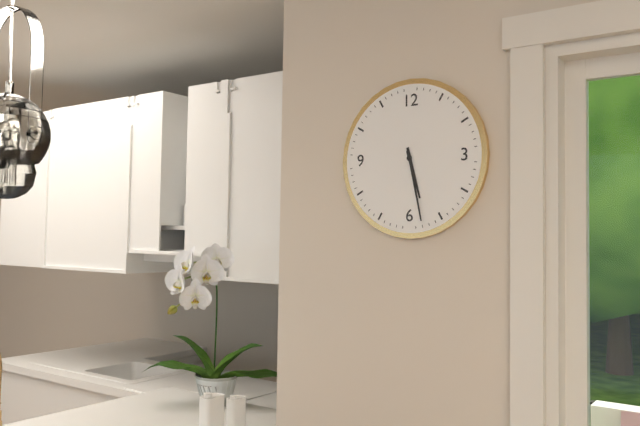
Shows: h=5 m=28
